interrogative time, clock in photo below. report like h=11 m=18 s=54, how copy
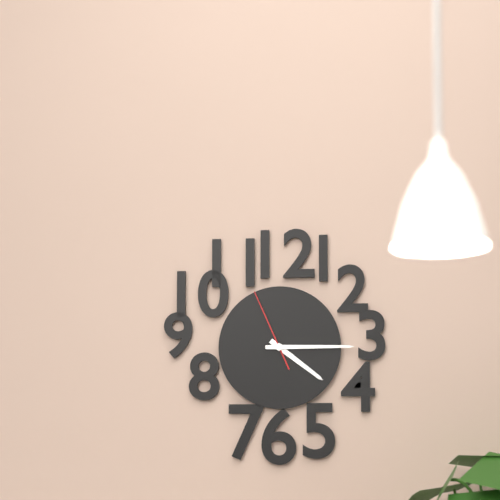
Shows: h=4 m=15 s=56
